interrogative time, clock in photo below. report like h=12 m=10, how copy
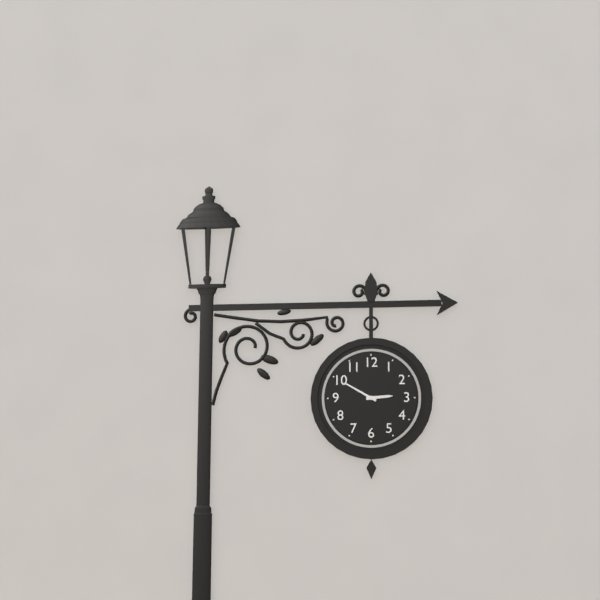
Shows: h=2 m=50
